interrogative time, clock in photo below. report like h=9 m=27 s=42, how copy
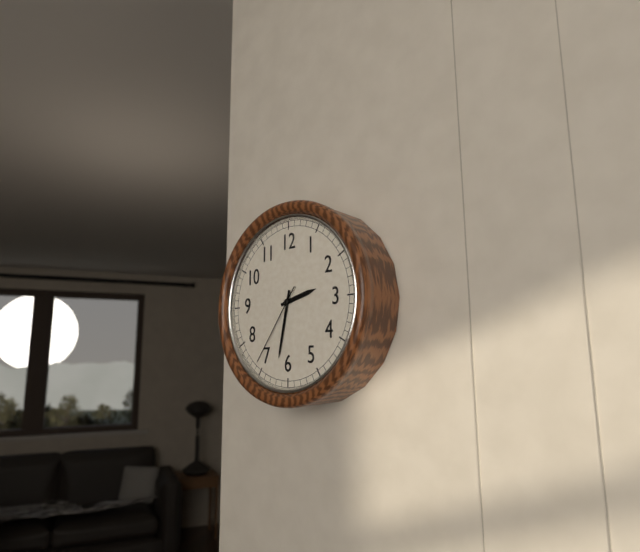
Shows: h=2 m=32 s=36
